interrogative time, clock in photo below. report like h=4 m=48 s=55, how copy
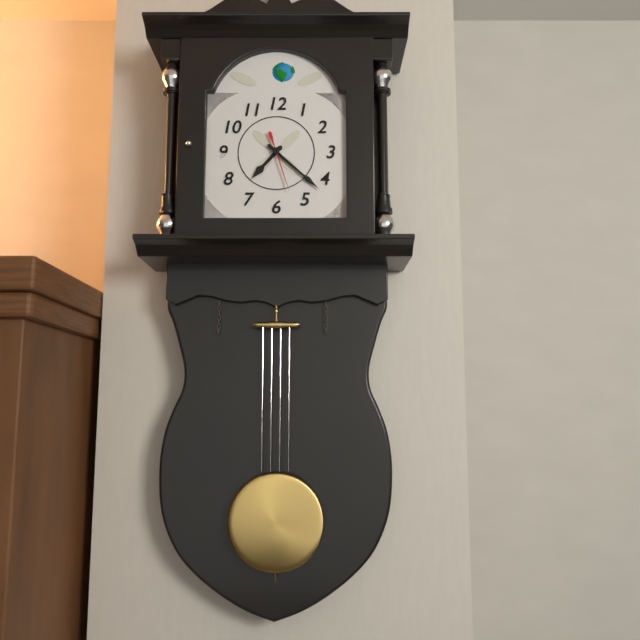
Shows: h=7 m=22 s=27
